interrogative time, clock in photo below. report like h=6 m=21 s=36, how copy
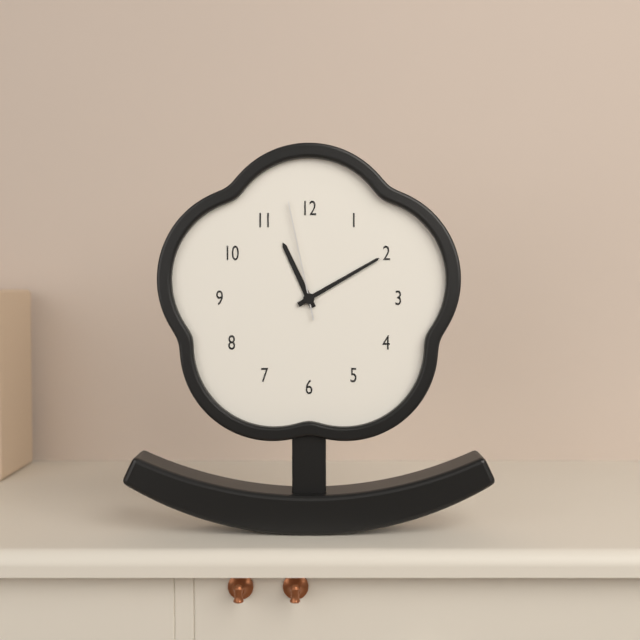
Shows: h=11 m=10 s=58
